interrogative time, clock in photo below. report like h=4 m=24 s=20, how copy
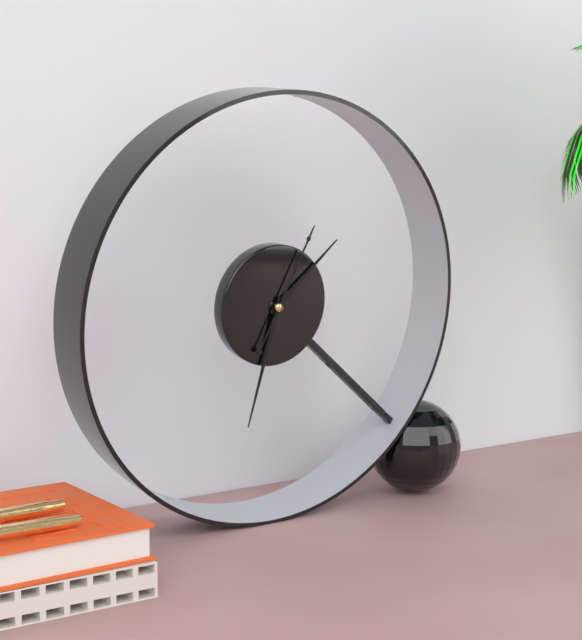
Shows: h=1 m=32 s=4
